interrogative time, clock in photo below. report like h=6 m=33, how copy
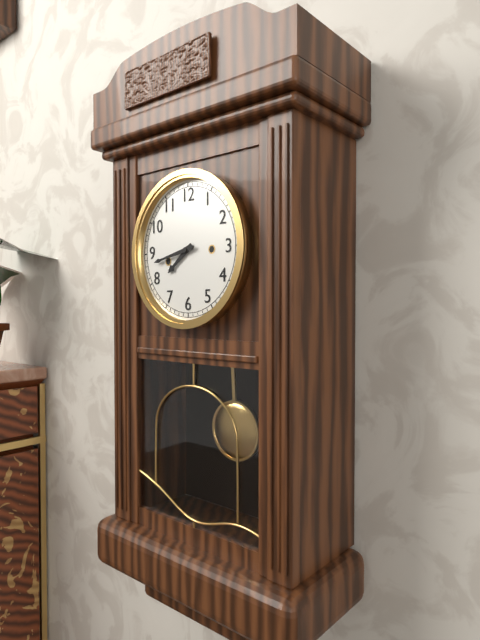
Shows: h=7 m=43
